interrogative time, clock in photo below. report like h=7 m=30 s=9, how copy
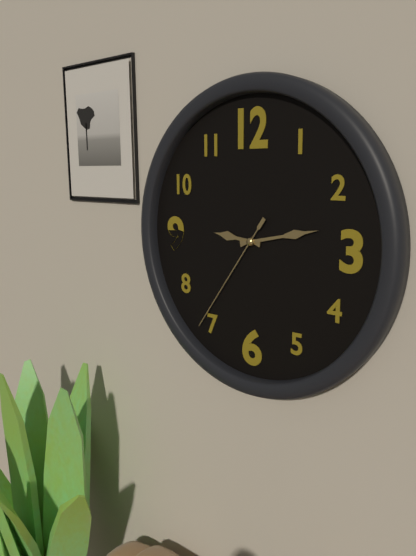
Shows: h=9 m=13 s=36
